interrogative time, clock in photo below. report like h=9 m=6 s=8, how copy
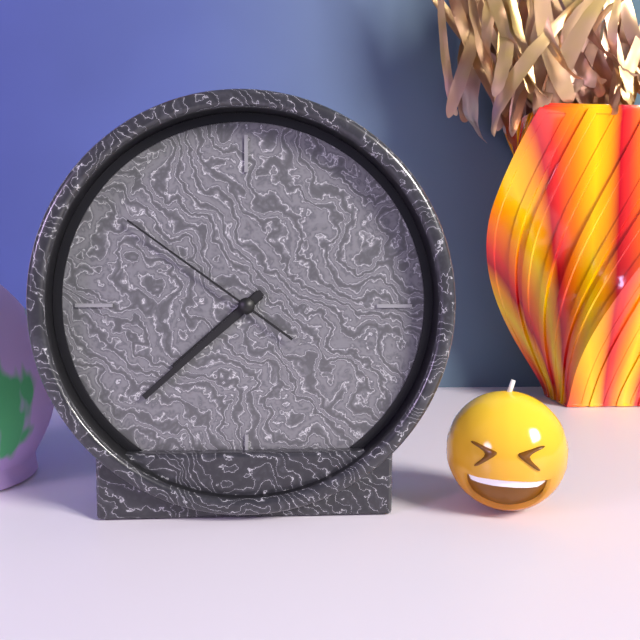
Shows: h=7 m=38 s=51
